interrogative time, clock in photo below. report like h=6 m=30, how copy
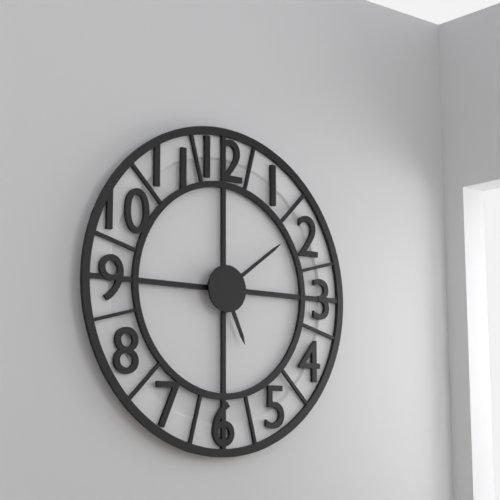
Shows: h=5 m=9
